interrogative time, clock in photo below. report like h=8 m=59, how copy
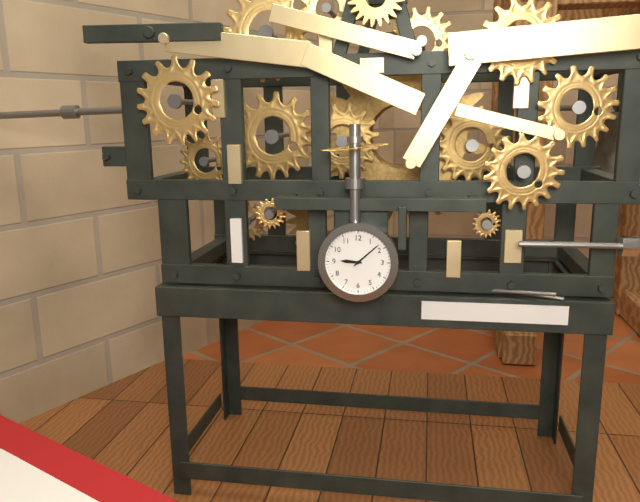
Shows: h=9 m=8
